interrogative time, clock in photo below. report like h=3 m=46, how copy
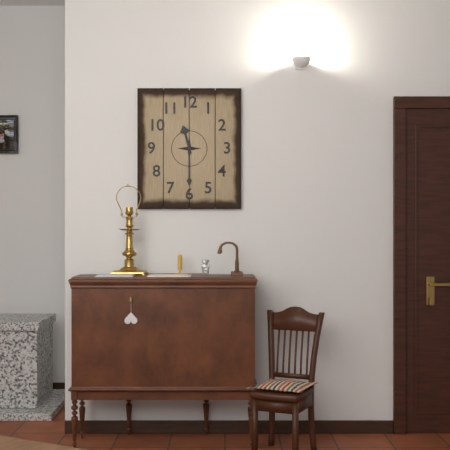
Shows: h=11 m=30
